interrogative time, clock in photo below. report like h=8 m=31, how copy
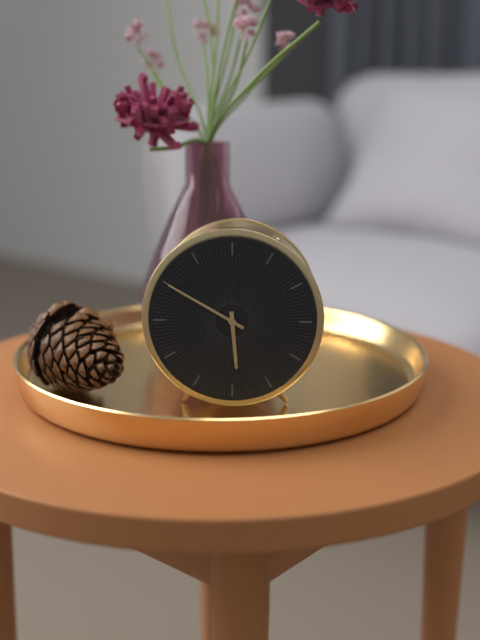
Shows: h=5 m=50
